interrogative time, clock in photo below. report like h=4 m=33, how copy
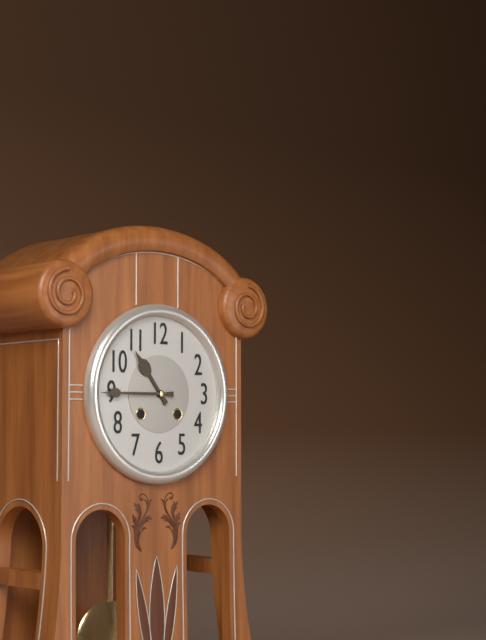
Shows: h=10 m=45
